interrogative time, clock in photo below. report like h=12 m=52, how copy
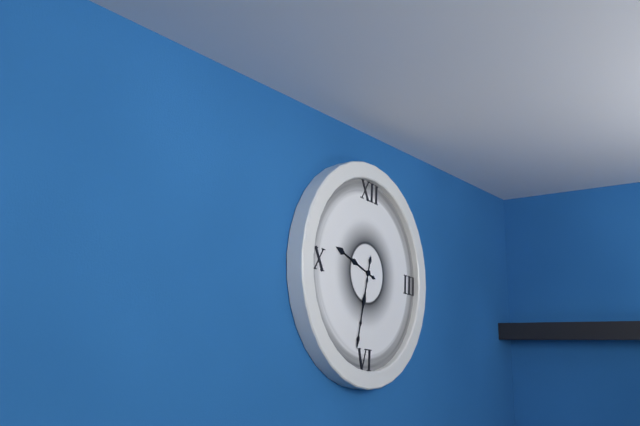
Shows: h=9 m=32
